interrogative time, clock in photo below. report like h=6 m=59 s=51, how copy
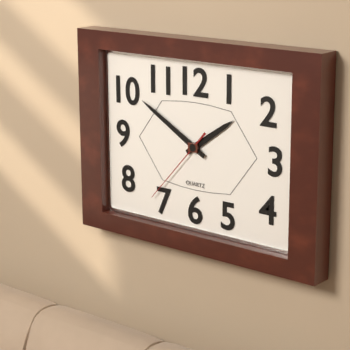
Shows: h=1 m=50 s=37
